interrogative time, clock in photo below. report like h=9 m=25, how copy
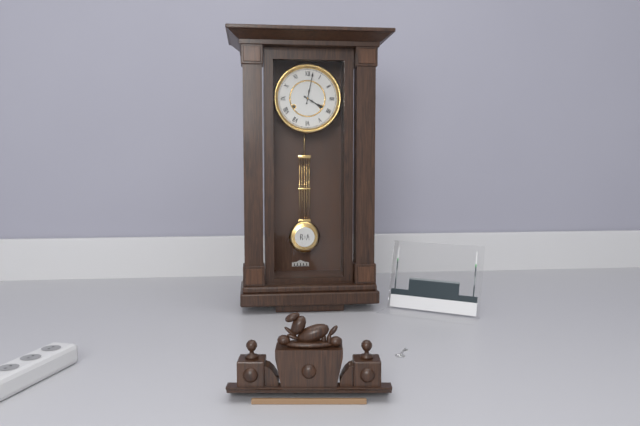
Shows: h=4 m=2
